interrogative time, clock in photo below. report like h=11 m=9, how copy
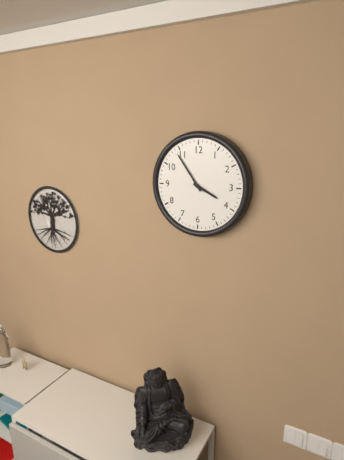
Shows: h=3 m=54
